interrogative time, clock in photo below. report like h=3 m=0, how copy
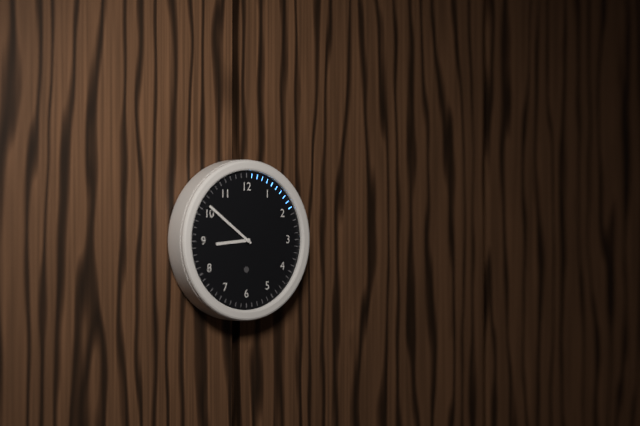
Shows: h=8 m=51
